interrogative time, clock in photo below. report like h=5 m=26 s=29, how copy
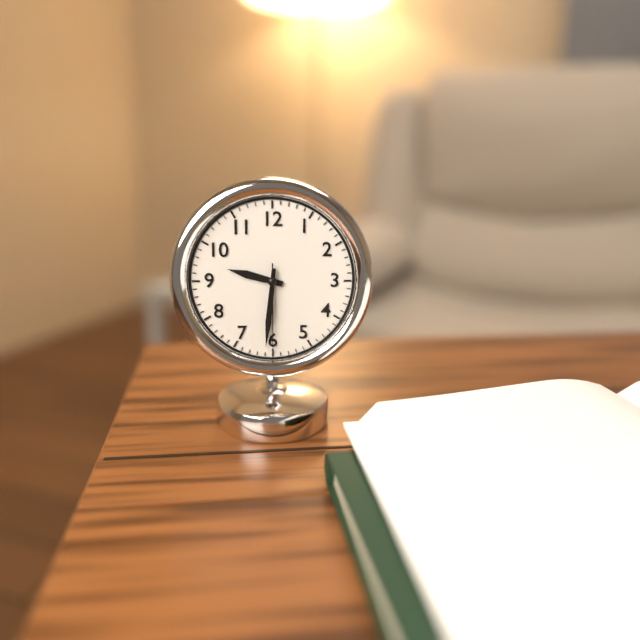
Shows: h=9 m=31 s=30
